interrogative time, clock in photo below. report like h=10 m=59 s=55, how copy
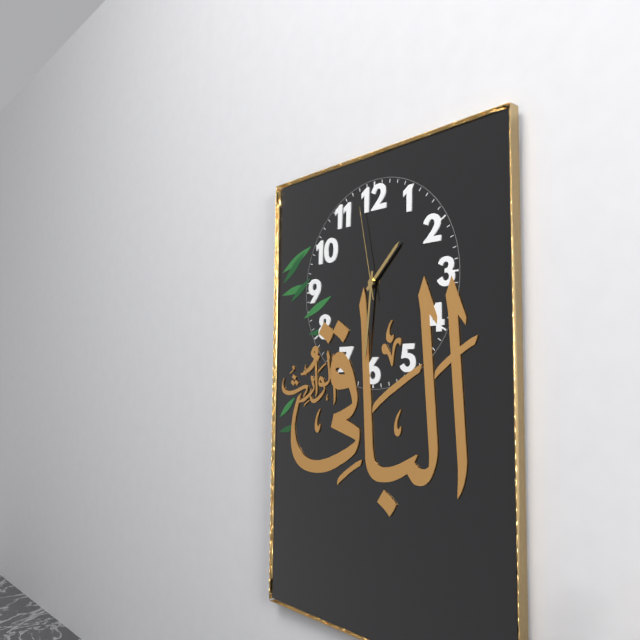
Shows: h=1 m=31 s=58
